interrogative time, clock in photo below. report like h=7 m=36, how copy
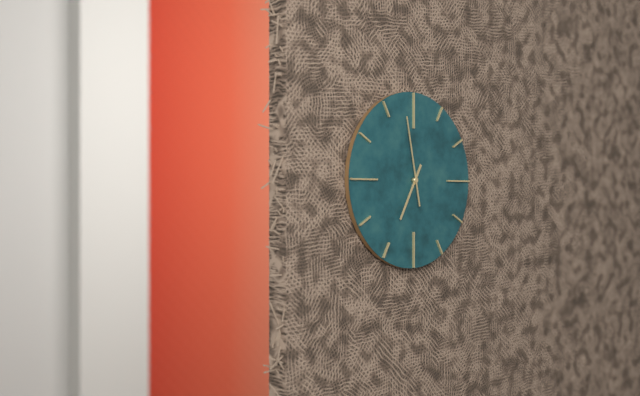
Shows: h=6 m=58
